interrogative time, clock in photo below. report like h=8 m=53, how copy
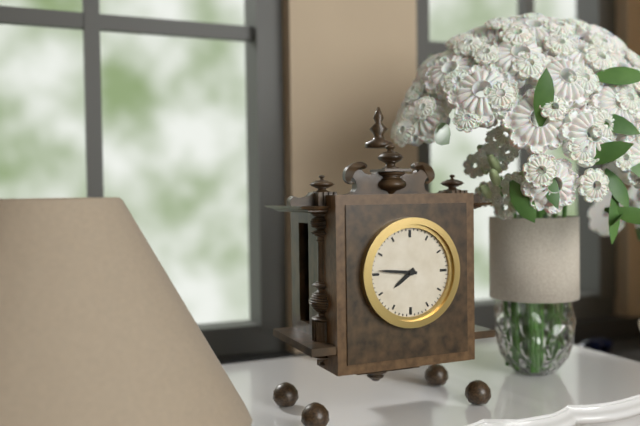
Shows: h=7 m=46
